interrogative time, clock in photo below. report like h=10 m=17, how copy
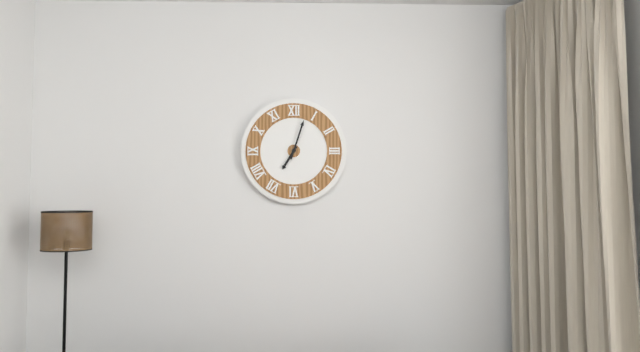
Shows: h=7 m=3
